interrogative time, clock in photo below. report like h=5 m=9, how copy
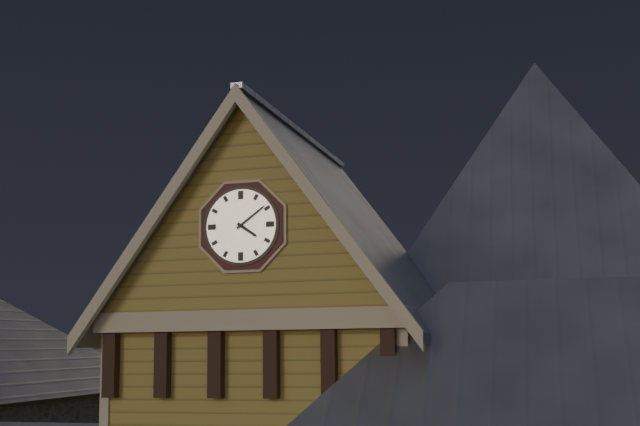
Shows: h=4 m=9
